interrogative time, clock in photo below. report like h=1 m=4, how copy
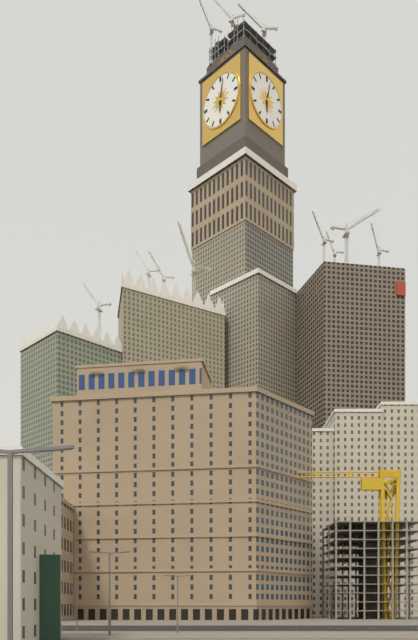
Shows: h=6 m=2
